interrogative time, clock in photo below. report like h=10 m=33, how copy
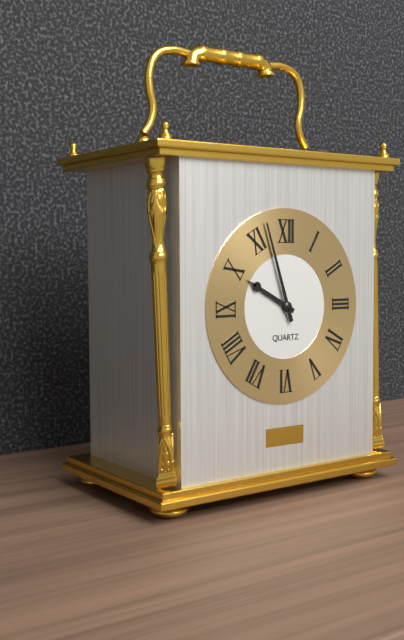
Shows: h=9 m=57
